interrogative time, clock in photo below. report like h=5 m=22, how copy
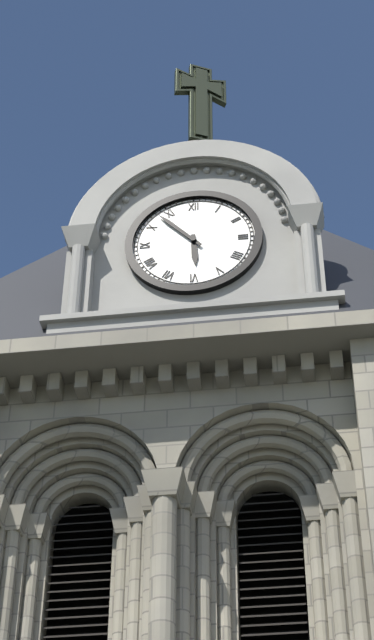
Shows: h=5 m=53
